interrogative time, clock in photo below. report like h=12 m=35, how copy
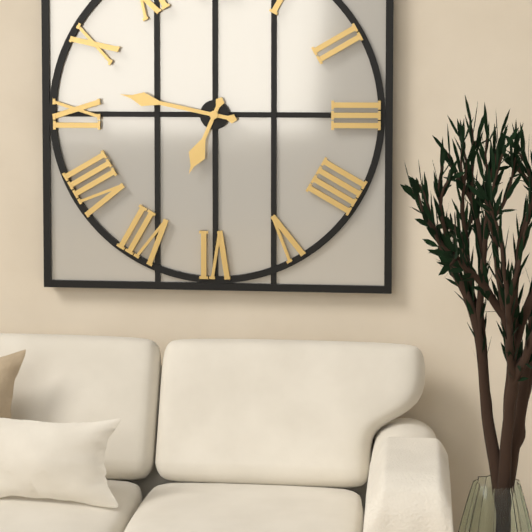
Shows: h=6 m=47
